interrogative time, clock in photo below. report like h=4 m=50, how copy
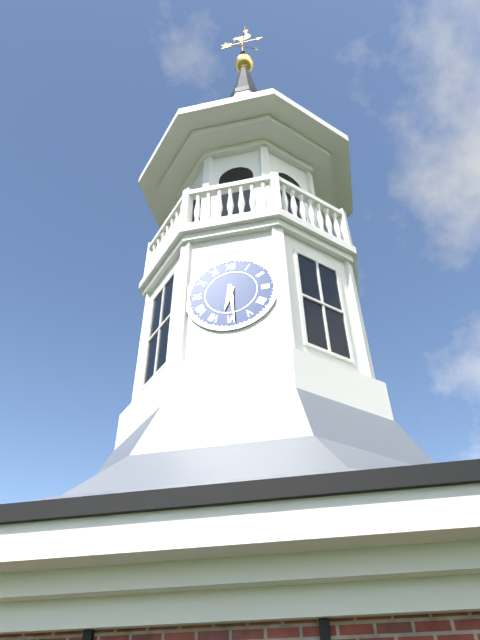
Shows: h=6 m=29
